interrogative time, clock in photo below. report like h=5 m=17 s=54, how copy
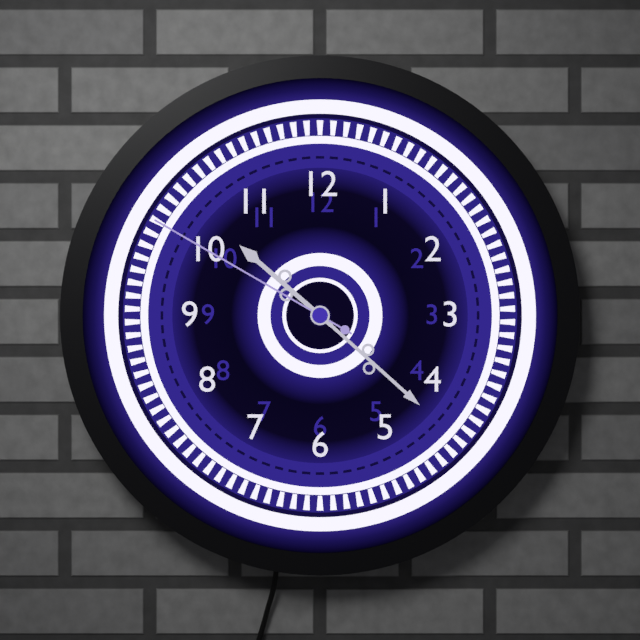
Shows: h=10 m=22 s=50
